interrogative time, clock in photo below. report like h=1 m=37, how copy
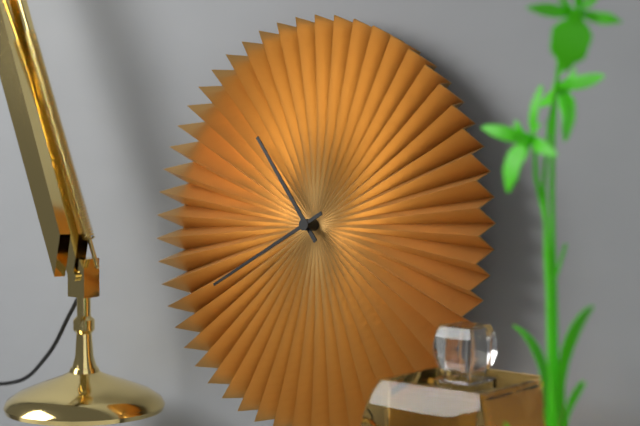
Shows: h=10 m=40
